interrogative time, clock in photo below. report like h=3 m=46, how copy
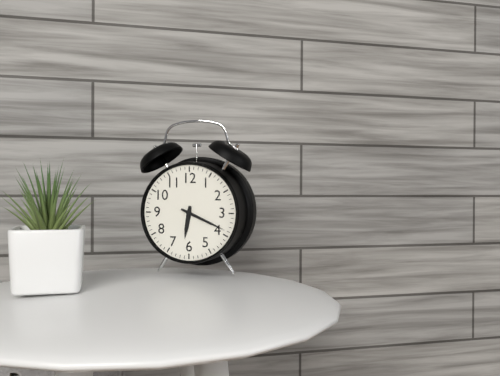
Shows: h=6 m=19
